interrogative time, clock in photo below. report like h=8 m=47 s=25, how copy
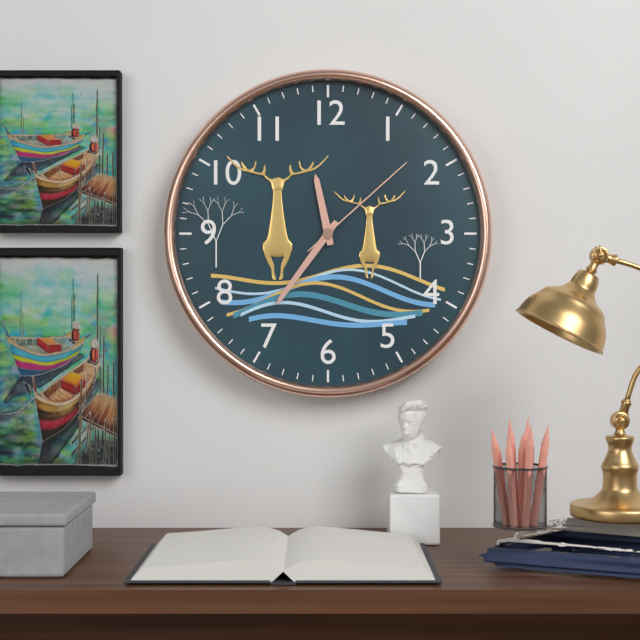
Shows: h=11 m=36 s=8
